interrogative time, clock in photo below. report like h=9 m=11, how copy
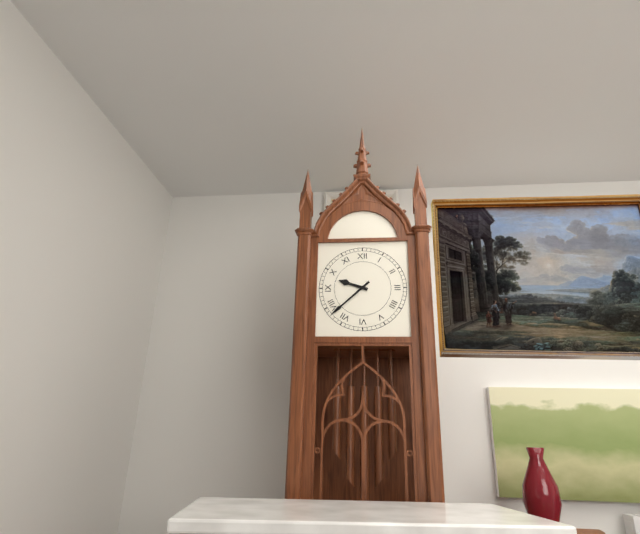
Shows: h=9 m=38
